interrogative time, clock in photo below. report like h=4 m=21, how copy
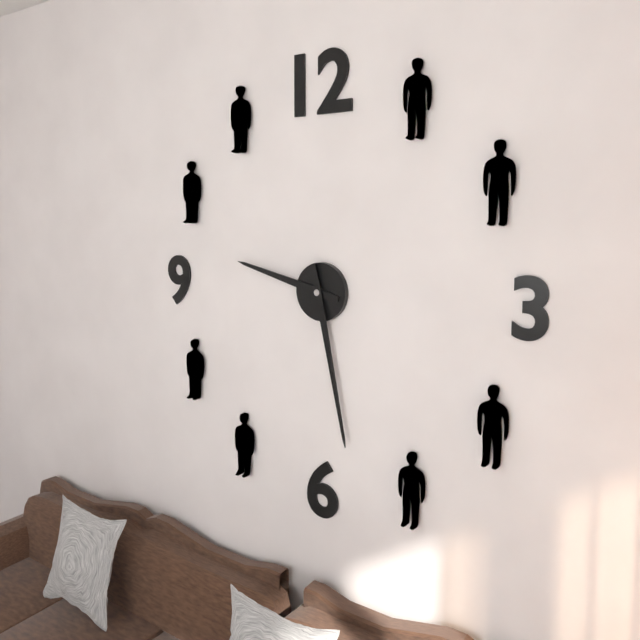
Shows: h=9 m=28
